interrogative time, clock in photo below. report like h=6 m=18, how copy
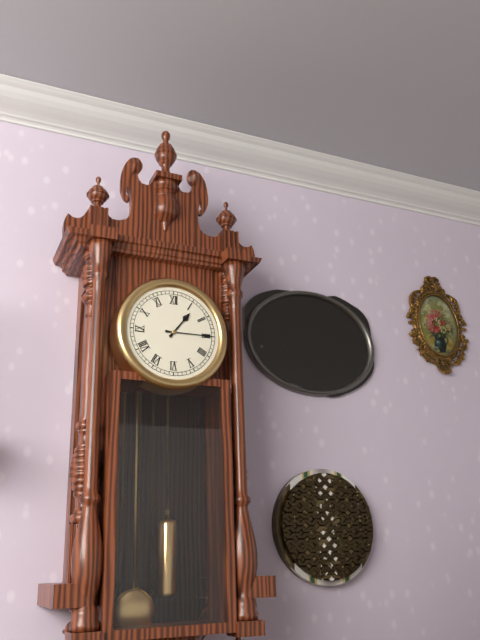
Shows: h=1 m=15
